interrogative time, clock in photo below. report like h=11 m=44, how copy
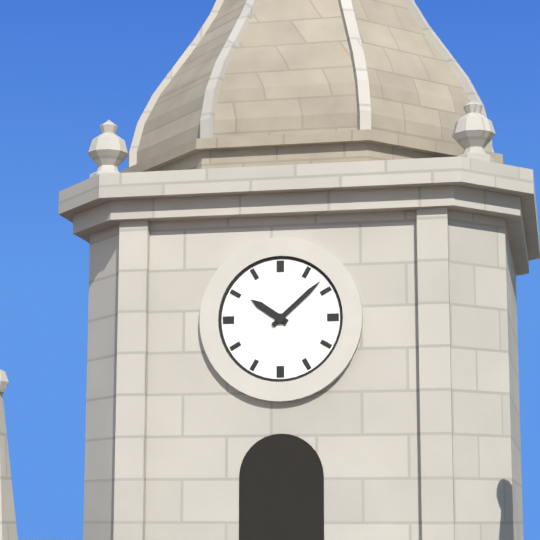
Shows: h=10 m=8
